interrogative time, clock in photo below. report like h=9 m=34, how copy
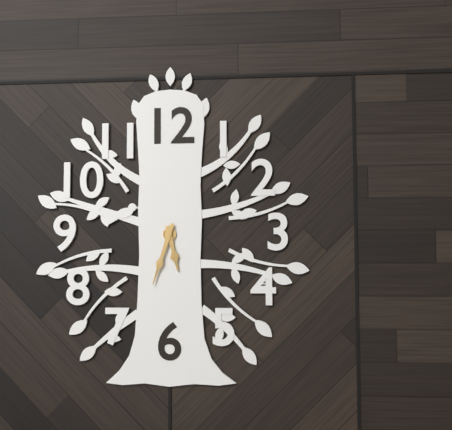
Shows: h=5 m=33
